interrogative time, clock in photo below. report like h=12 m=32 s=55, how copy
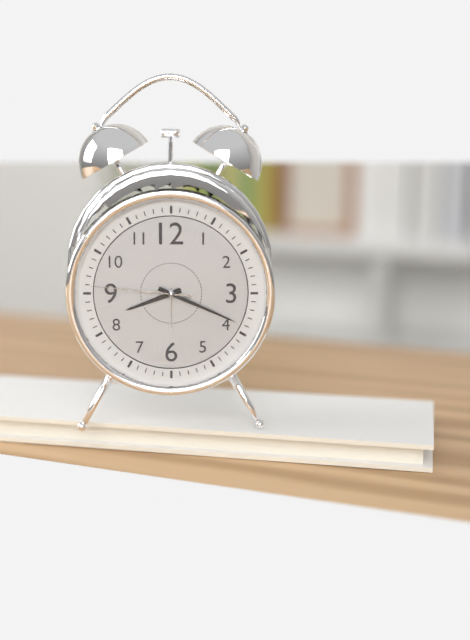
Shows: h=8 m=19 s=46
